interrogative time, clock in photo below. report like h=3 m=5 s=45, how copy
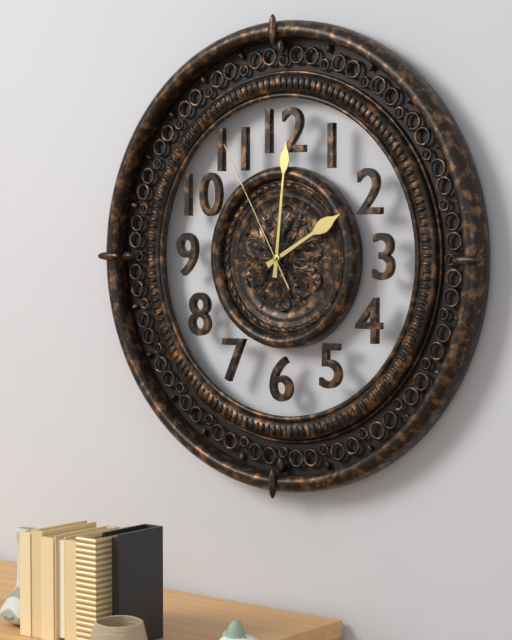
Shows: h=2 m=1 s=55
